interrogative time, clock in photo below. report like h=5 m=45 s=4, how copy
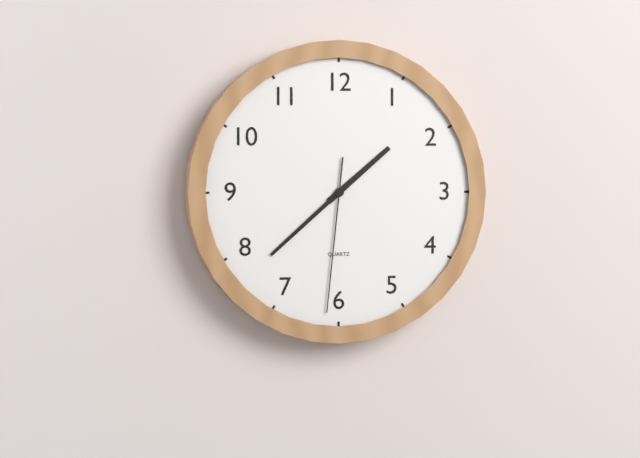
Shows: h=1 m=38 s=31
